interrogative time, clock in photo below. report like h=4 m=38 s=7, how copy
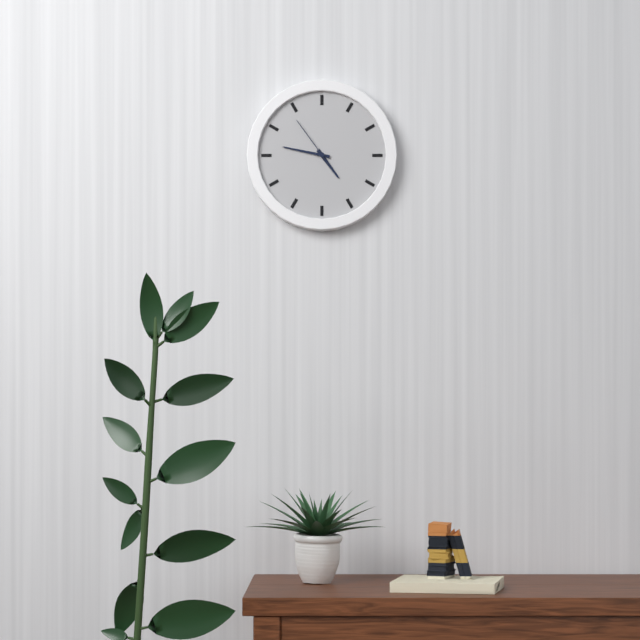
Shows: h=4 m=47 s=54
